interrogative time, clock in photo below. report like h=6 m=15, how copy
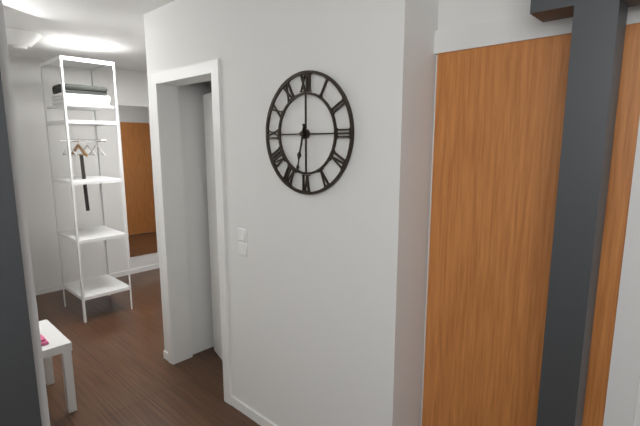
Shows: h=6 m=32
